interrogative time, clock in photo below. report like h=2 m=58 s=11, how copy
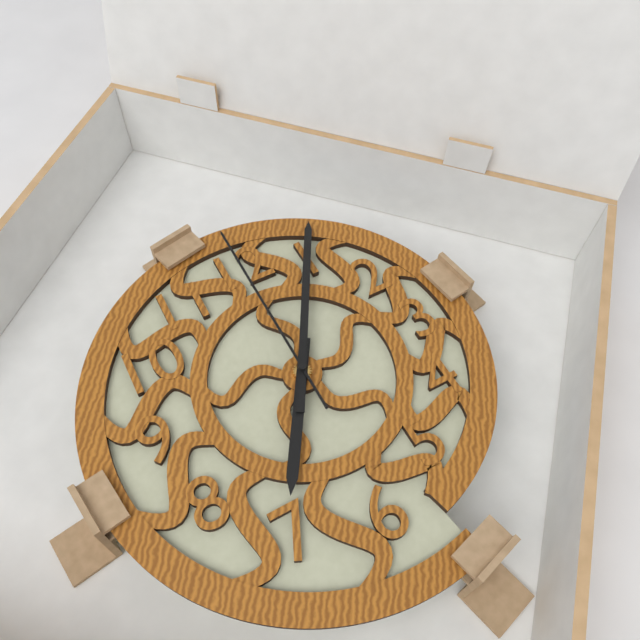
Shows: h=7 m=5 s=0
